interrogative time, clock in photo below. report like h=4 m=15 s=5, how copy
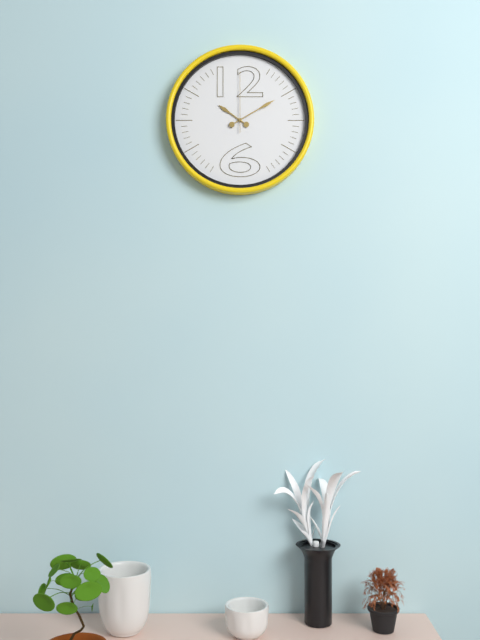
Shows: h=10 m=10 s=0
